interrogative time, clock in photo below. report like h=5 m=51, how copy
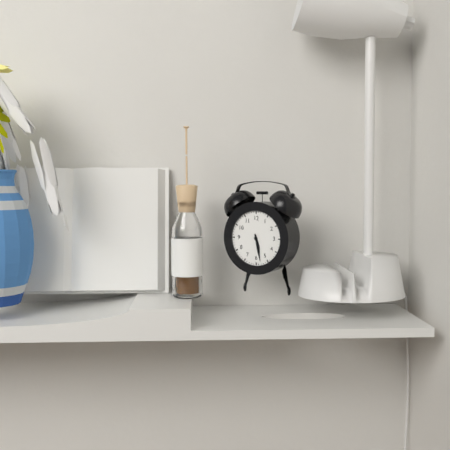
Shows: h=5 m=28
